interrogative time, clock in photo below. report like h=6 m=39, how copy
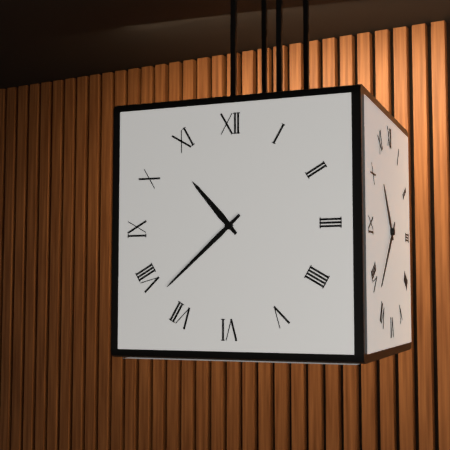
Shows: h=10 m=38
